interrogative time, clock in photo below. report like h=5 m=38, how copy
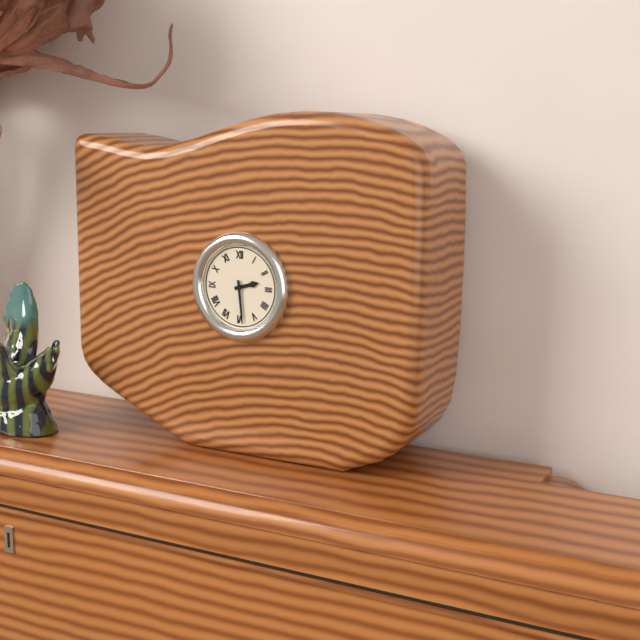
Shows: h=2 m=29
